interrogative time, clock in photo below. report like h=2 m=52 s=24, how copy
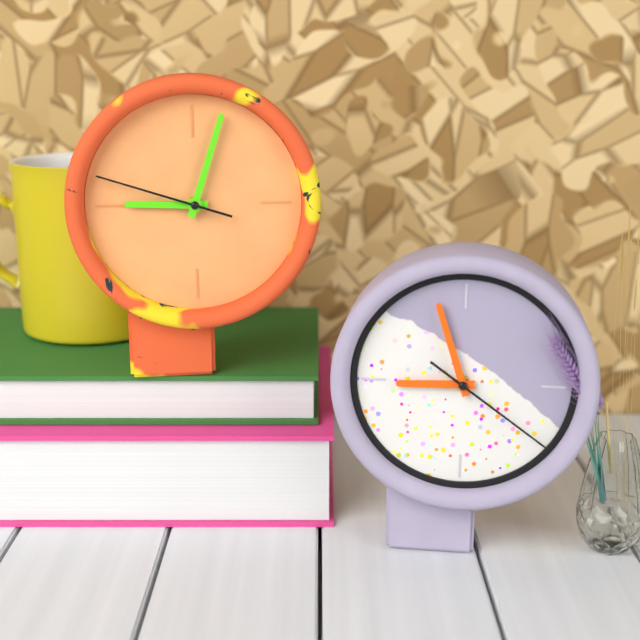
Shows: h=9 m=3 s=48
